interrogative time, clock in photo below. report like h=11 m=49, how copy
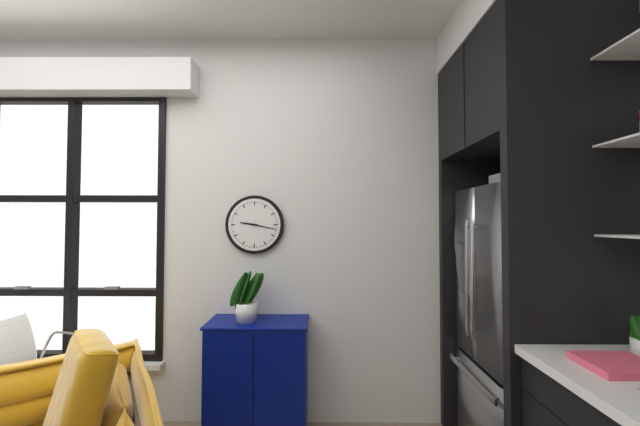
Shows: h=9 m=17
